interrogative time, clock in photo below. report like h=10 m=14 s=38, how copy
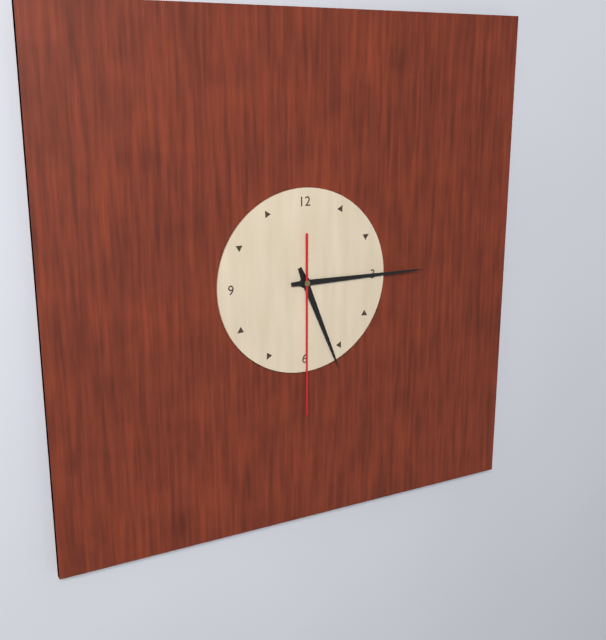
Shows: h=5 m=15 s=30
